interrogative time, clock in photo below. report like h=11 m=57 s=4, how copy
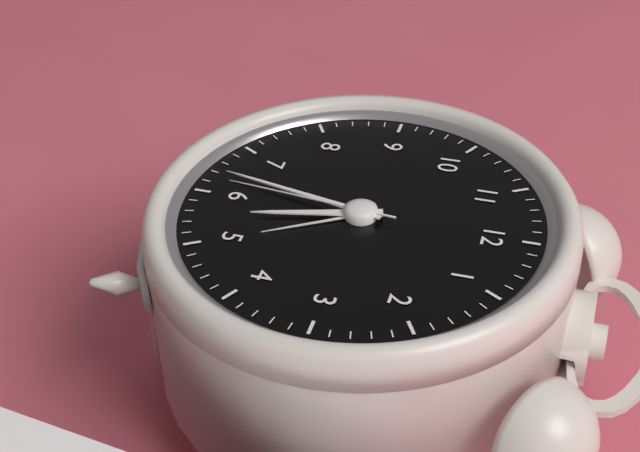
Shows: h=5 m=32 s=31
